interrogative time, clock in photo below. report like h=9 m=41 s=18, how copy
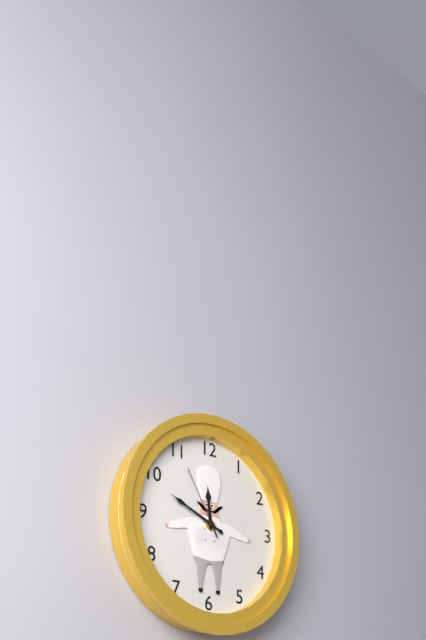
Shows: h=11 m=49 s=55
